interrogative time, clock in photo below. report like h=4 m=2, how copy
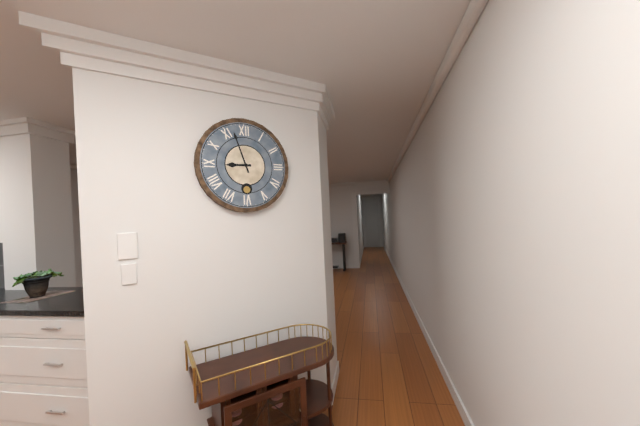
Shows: h=8 m=57
